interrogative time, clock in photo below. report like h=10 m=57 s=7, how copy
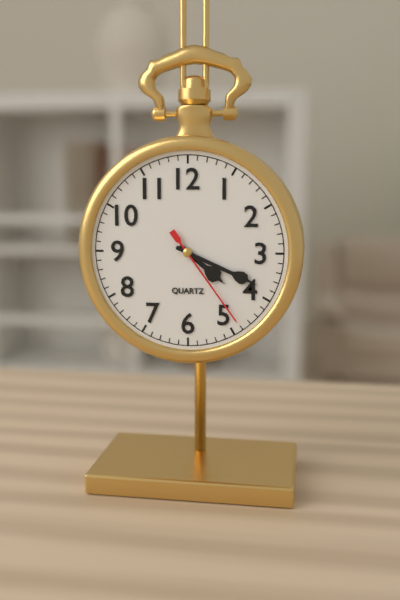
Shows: h=4 m=19 s=24
